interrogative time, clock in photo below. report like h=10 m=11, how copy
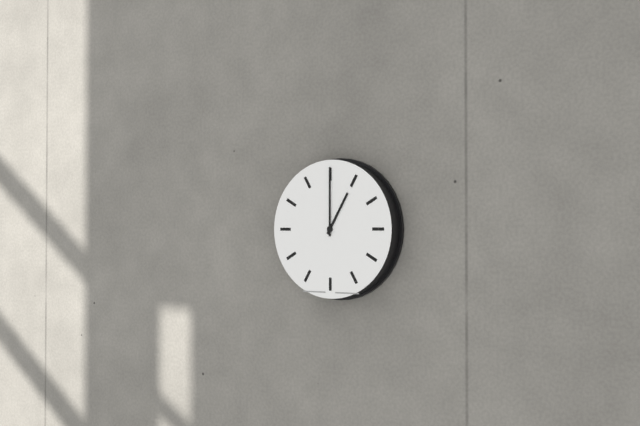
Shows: h=1 m=0
